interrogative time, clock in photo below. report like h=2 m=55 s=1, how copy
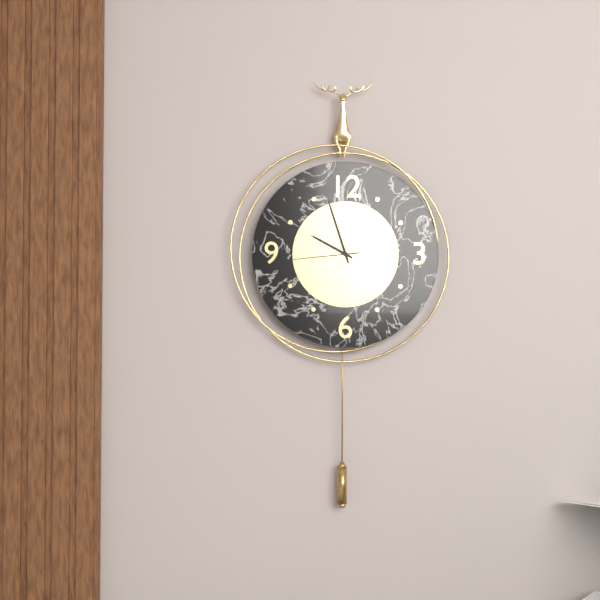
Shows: h=9 m=57 s=44
